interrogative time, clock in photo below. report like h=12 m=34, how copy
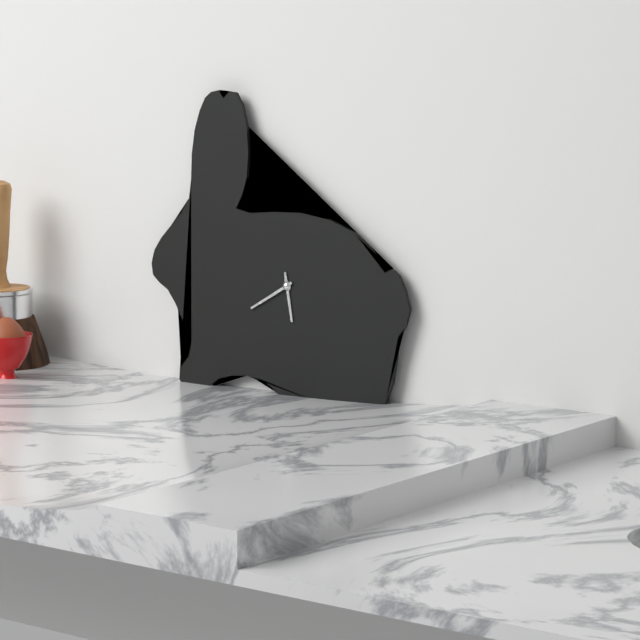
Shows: h=5 m=40
